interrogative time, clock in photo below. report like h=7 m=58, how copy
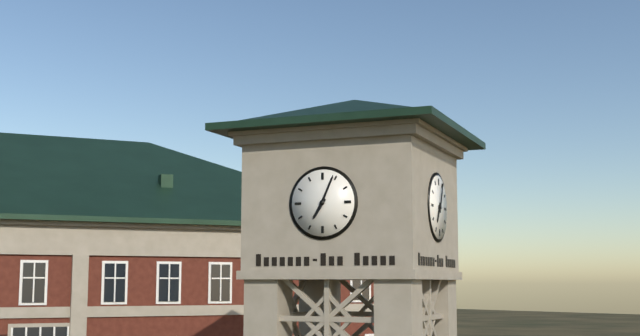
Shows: h=7 m=4
